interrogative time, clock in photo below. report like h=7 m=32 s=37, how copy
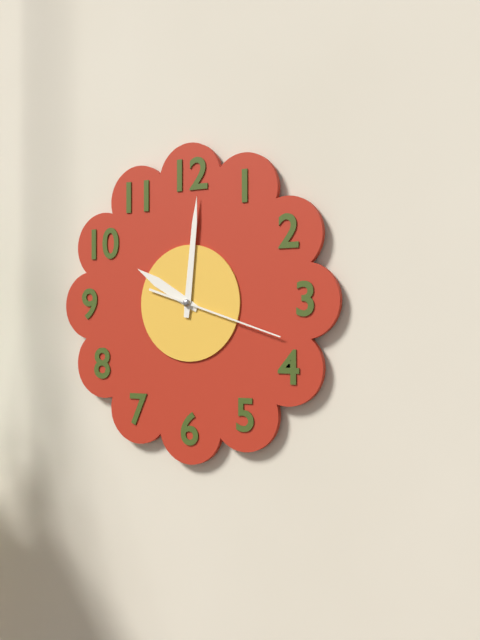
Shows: h=10 m=1 s=18
